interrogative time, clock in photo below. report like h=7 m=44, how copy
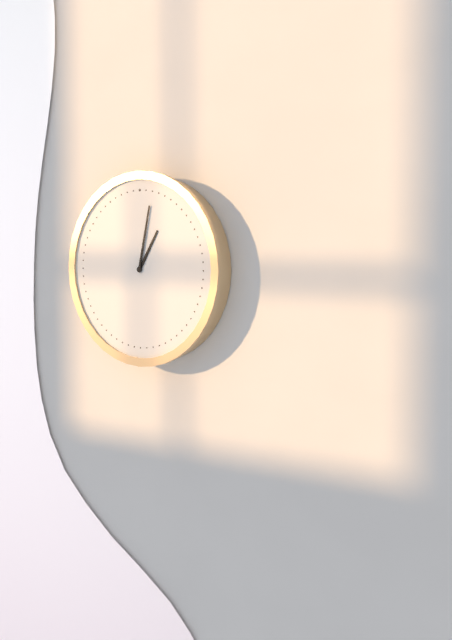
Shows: h=1 m=2
